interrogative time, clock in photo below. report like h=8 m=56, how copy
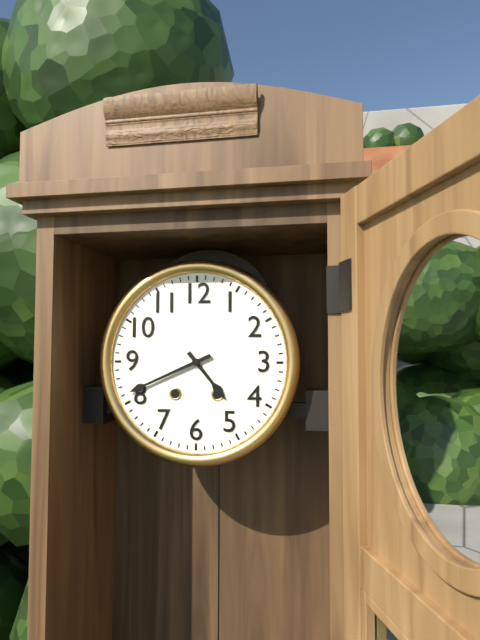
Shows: h=4 m=41
